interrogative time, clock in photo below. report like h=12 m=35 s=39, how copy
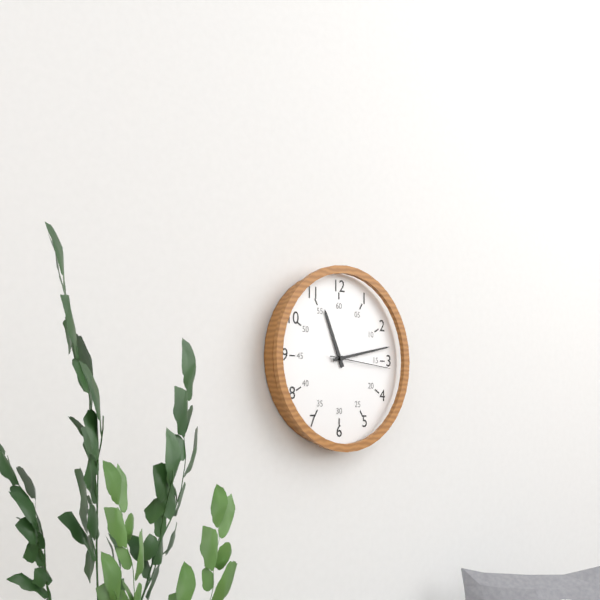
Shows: h=11 m=13 s=16
